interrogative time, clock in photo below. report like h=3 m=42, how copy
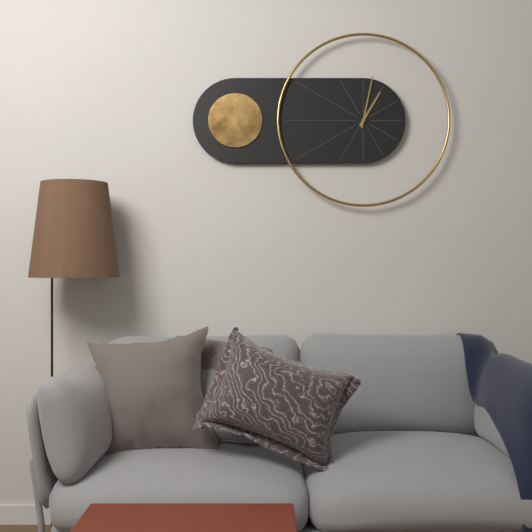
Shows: h=1 m=2
